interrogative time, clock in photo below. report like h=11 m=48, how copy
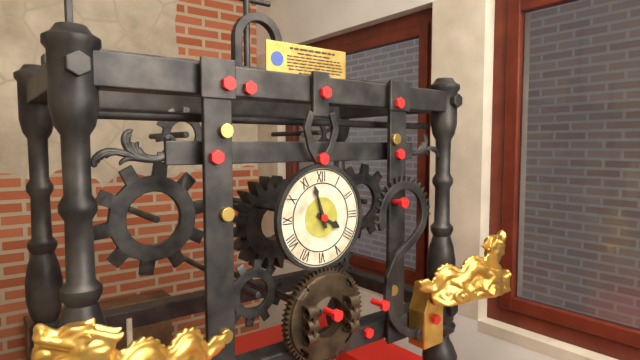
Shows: h=3 m=57
